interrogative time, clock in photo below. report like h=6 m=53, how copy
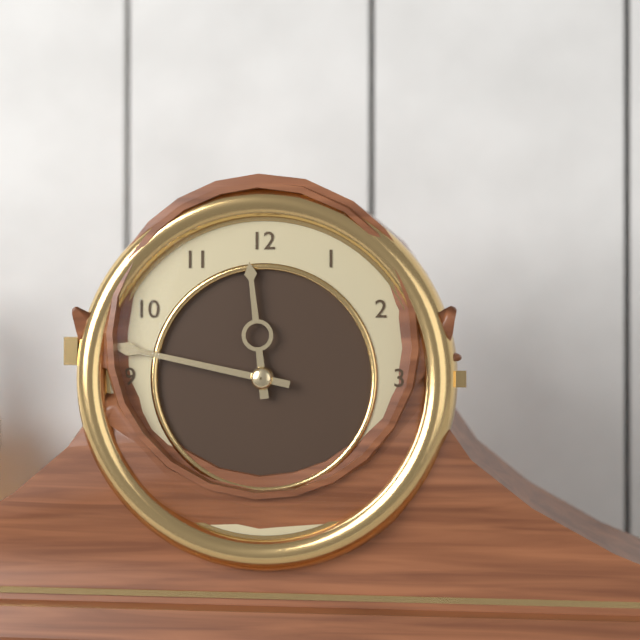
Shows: h=11 m=47
